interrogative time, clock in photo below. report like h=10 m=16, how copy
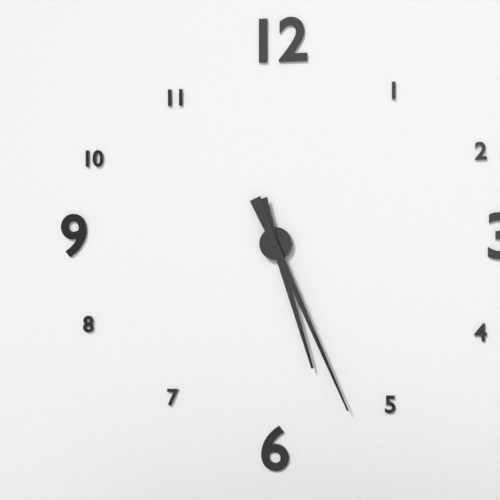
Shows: h=5 m=26
